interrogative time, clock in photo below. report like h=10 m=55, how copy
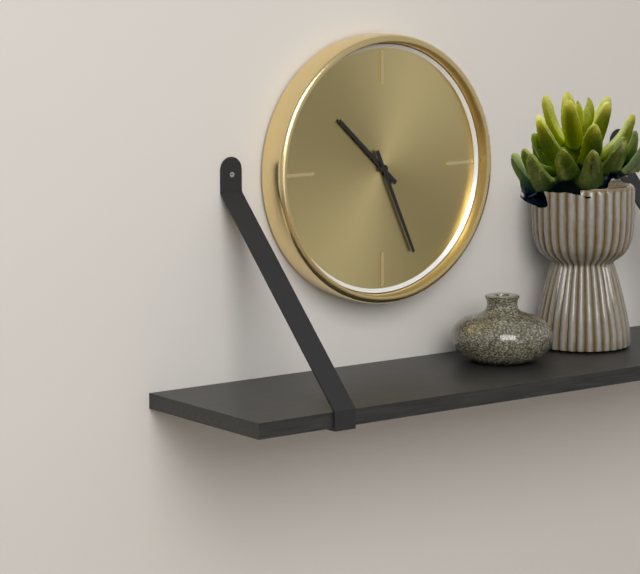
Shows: h=10 m=26
